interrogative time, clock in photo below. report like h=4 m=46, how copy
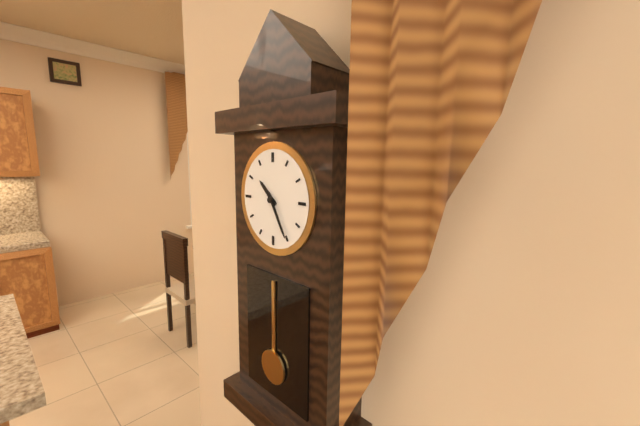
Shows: h=10 m=25
